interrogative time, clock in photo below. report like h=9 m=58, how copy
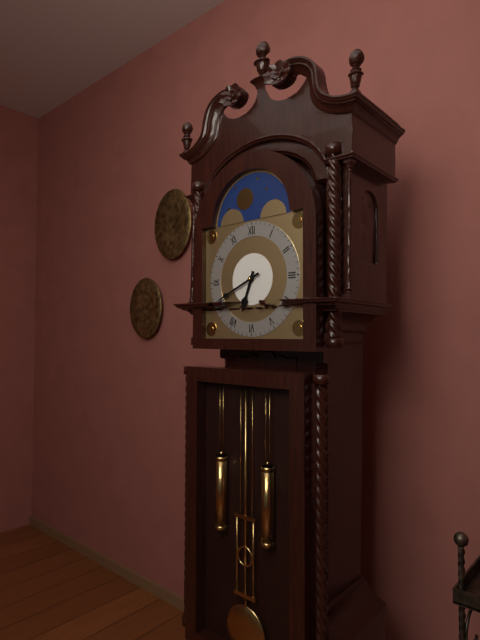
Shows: h=6 m=41
